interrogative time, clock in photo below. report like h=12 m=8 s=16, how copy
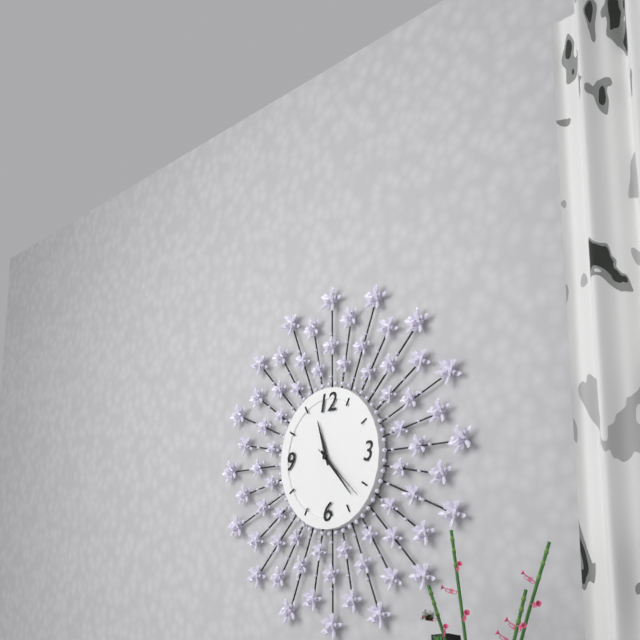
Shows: h=11 m=23 s=22
